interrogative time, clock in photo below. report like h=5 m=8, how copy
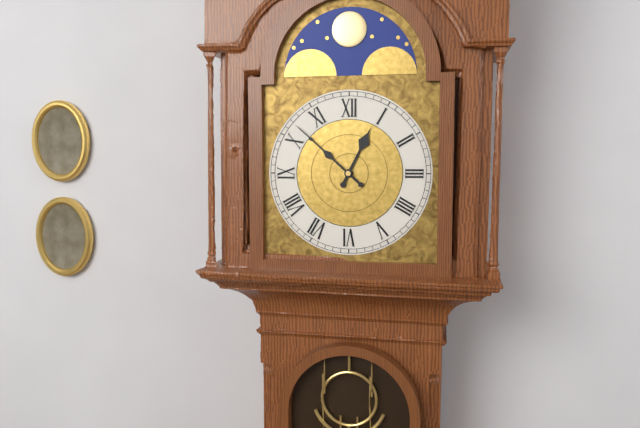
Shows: h=12 m=52
